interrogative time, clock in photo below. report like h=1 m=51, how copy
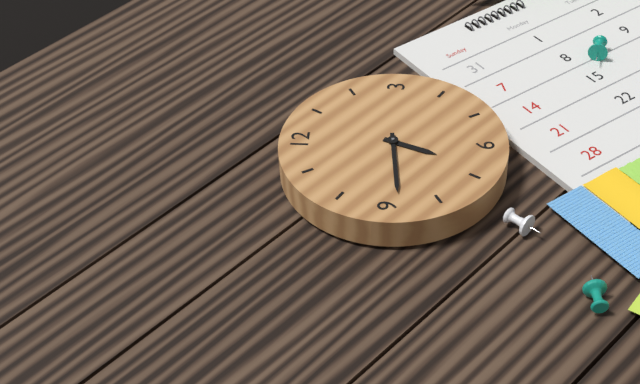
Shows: h=6 m=44
